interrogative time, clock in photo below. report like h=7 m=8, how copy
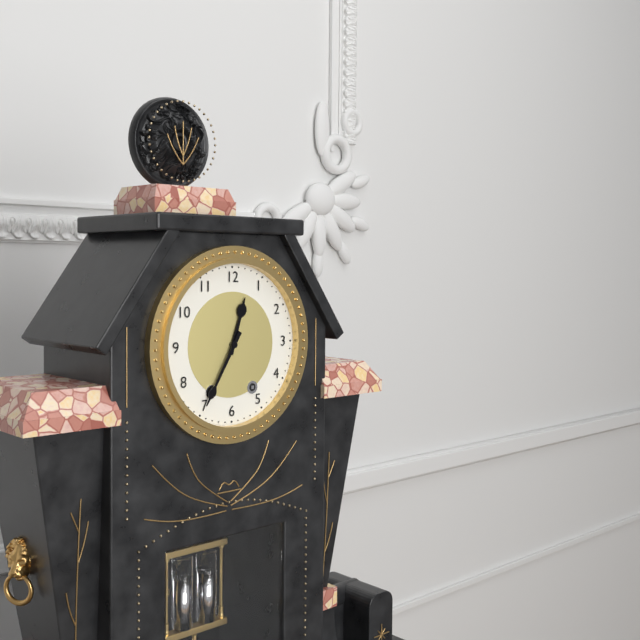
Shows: h=12 m=35
